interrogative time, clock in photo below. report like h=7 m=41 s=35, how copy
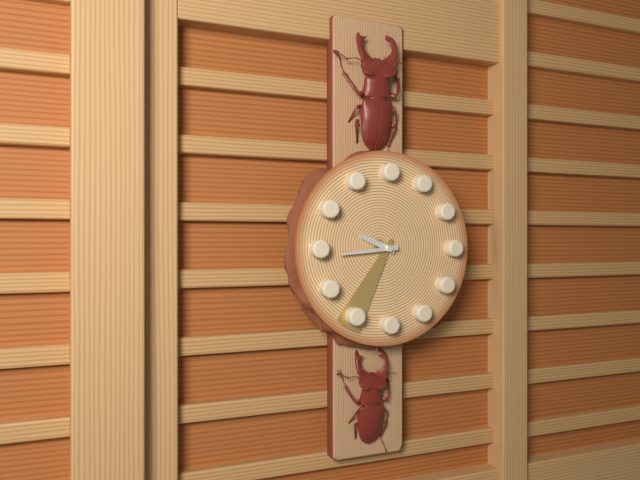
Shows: h=9 m=44 s=35
